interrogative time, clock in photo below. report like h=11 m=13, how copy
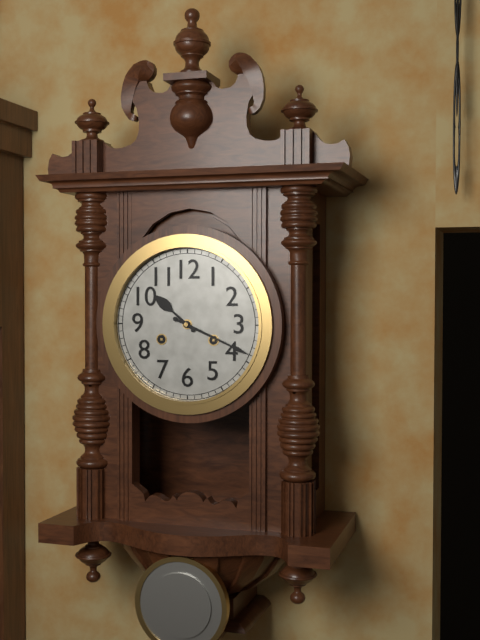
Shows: h=10 m=19
